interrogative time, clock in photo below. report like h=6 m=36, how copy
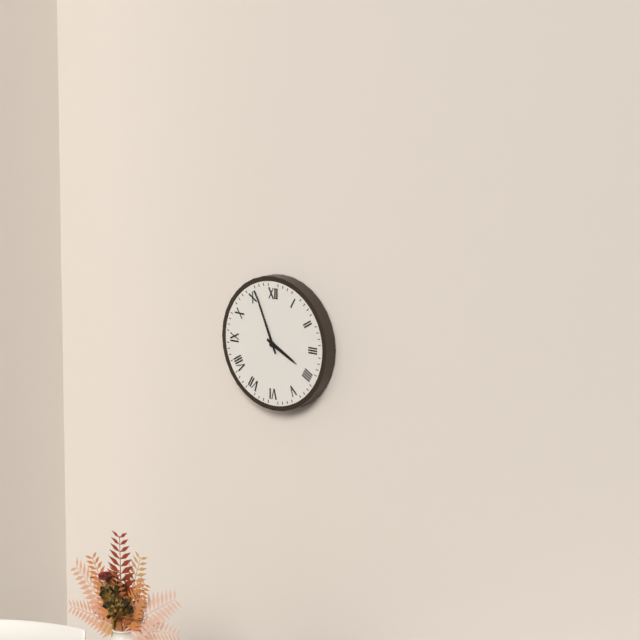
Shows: h=3 m=56
